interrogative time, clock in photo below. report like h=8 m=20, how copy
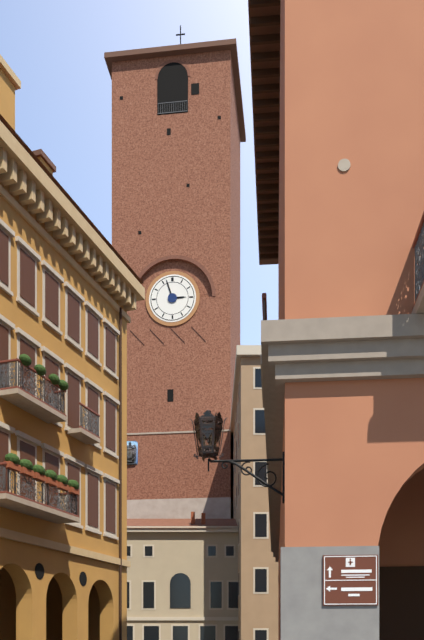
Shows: h=2 m=57
